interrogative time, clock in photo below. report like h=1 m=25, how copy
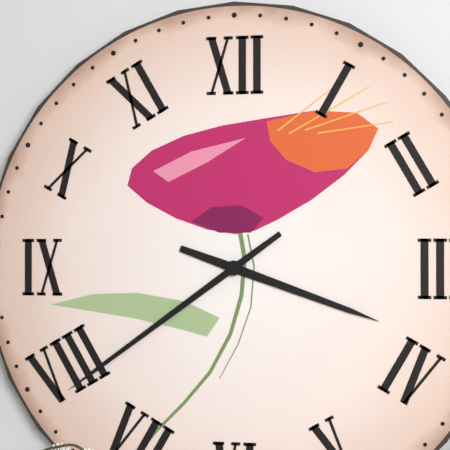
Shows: h=3 m=39
